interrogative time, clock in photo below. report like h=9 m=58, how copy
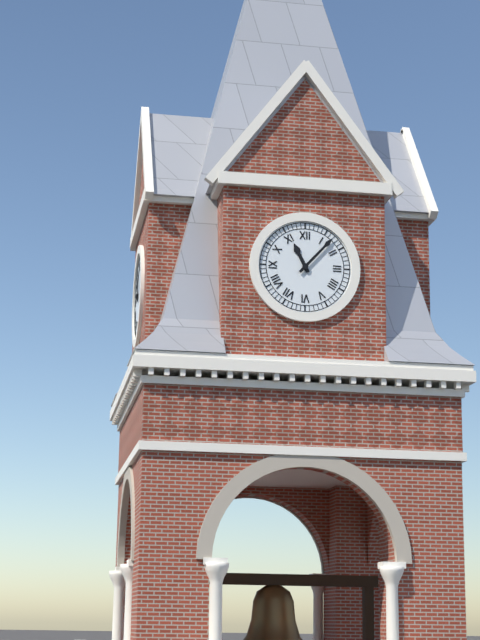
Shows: h=11 m=7
